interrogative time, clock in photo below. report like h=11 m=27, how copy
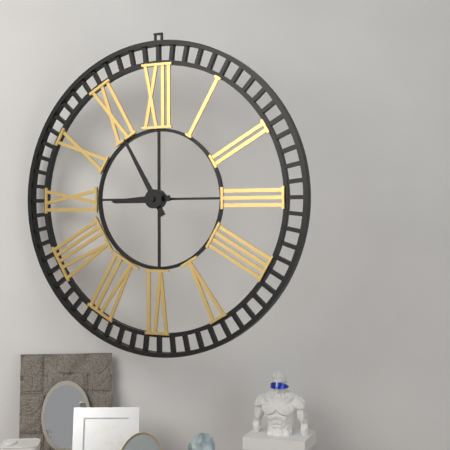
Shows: h=8 m=55
